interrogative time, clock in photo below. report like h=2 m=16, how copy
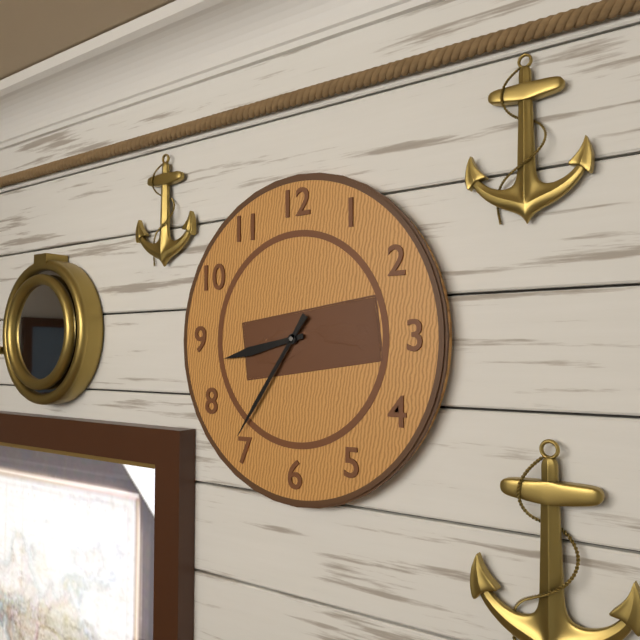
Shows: h=8 m=36
